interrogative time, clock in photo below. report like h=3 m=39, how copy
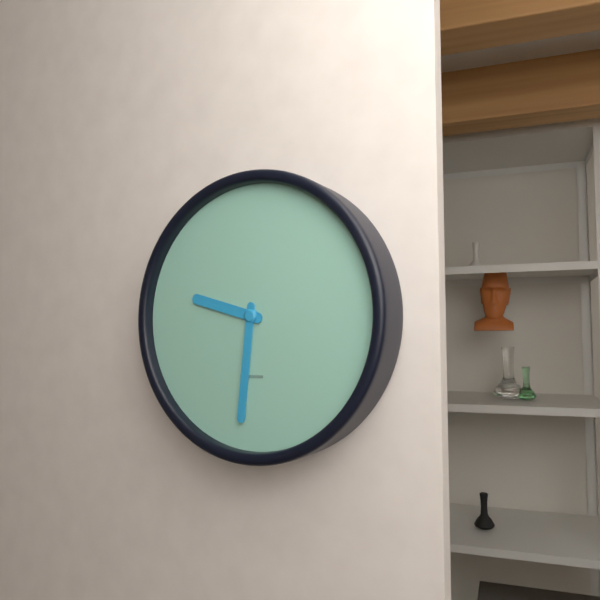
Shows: h=9 m=31
